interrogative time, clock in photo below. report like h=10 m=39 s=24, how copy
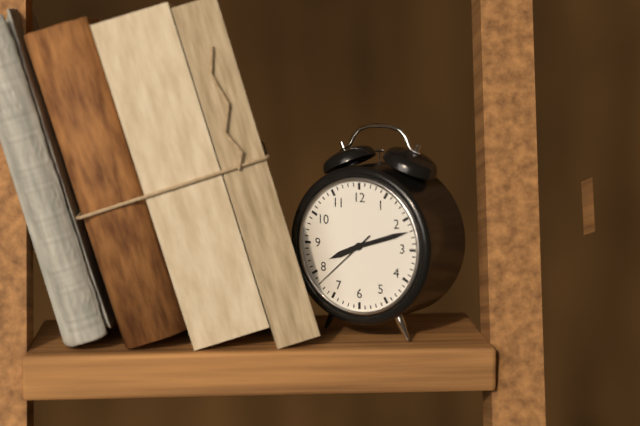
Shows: h=8 m=12 s=38
